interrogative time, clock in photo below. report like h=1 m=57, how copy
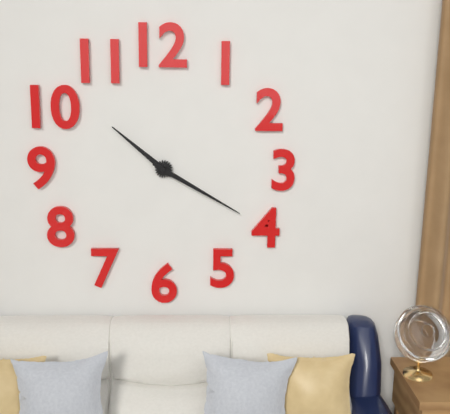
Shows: h=10 m=20
